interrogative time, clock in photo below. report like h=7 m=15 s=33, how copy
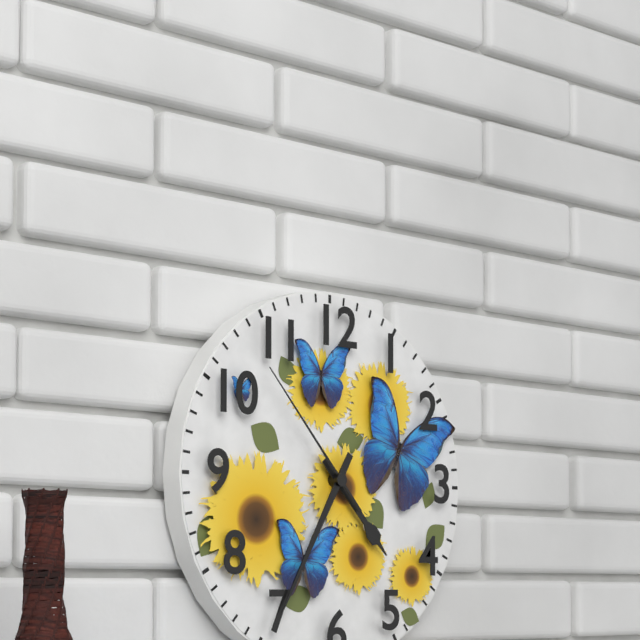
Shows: h=4 m=35 s=53
